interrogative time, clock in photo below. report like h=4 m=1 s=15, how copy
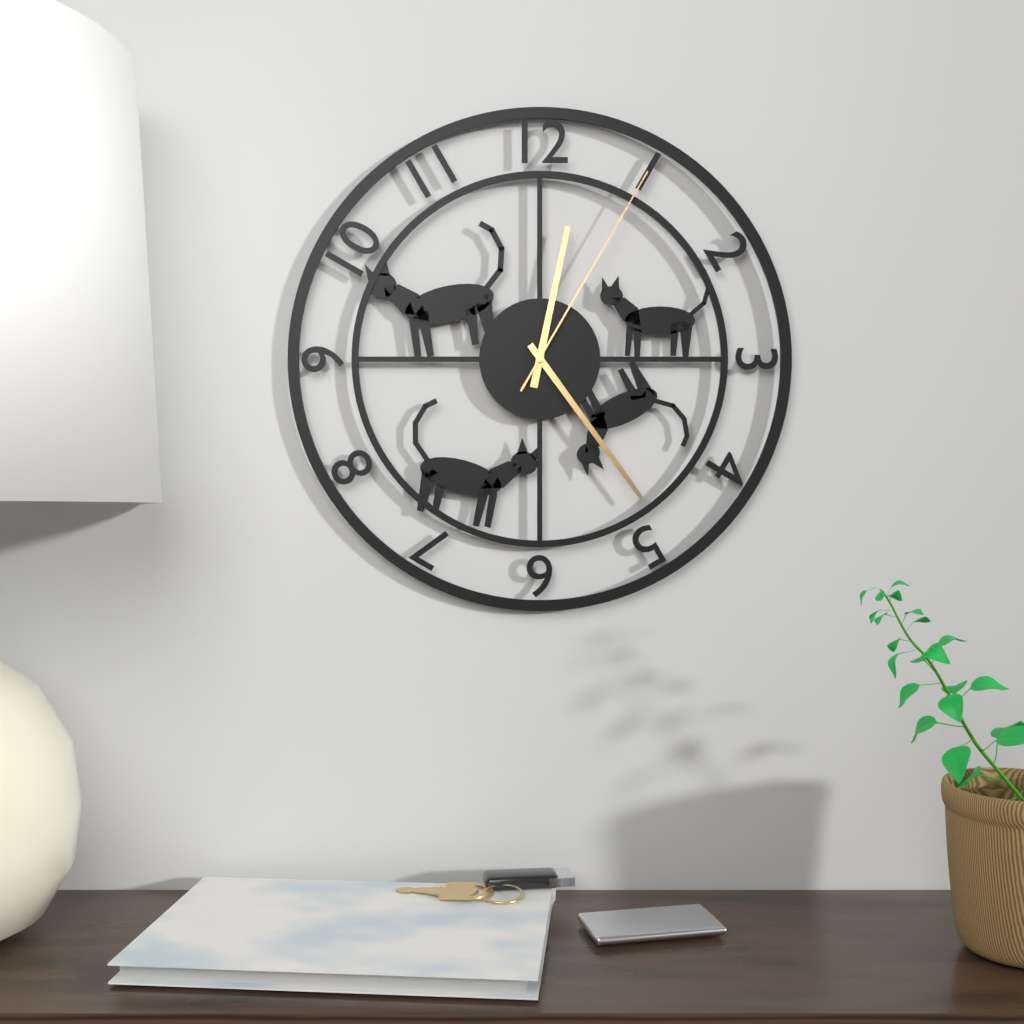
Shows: h=12 m=24 s=5
